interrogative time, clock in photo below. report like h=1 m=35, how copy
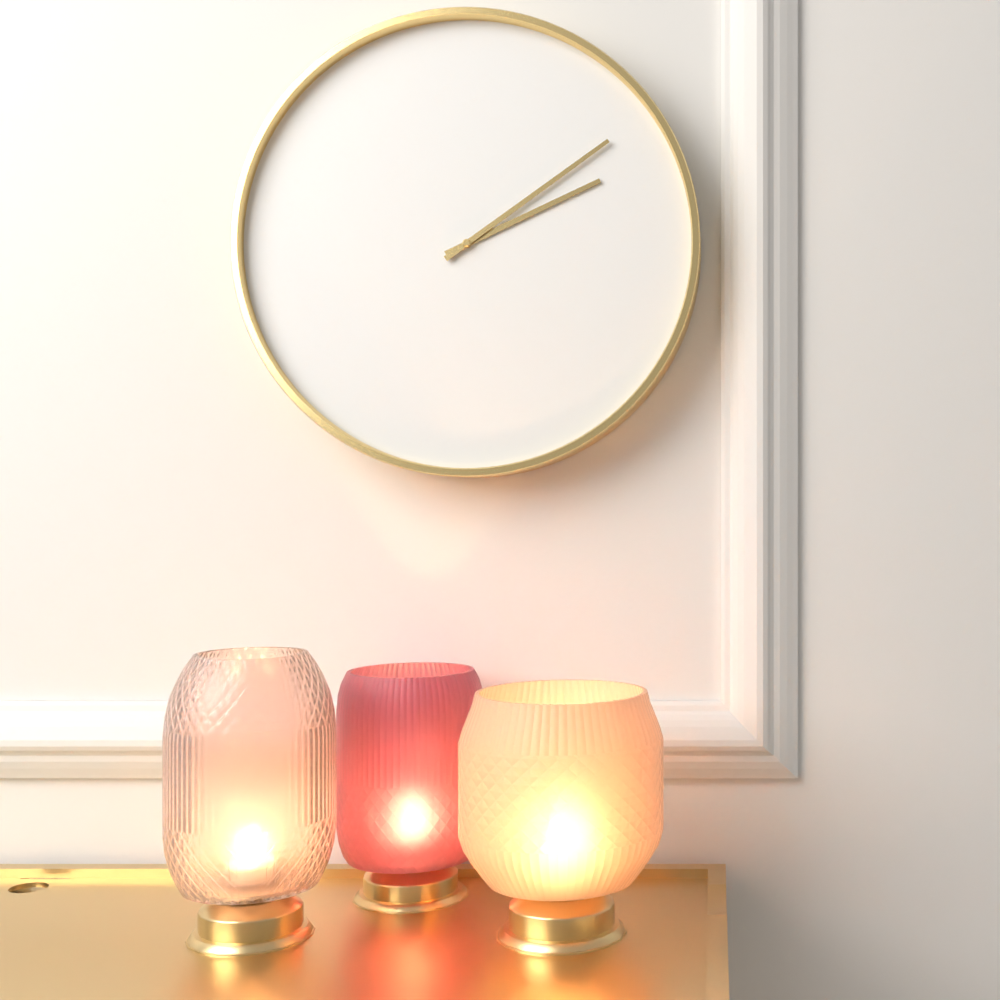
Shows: h=2 m=9
